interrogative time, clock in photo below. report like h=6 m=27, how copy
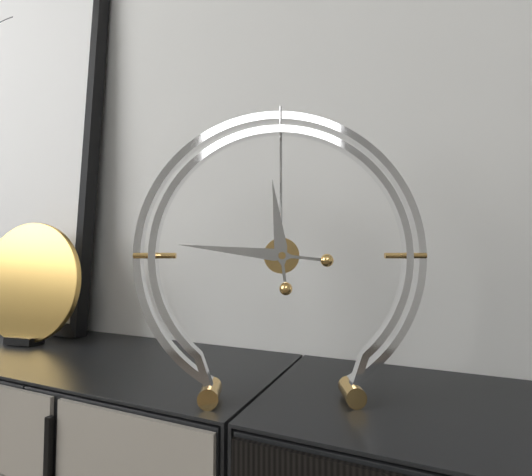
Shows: h=11 m=46
